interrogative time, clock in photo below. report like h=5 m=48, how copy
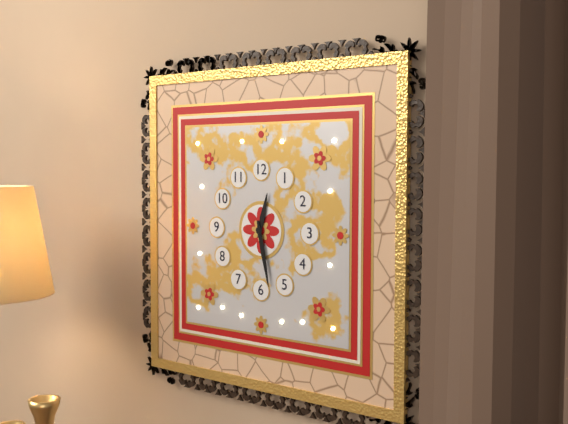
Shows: h=12 m=28
